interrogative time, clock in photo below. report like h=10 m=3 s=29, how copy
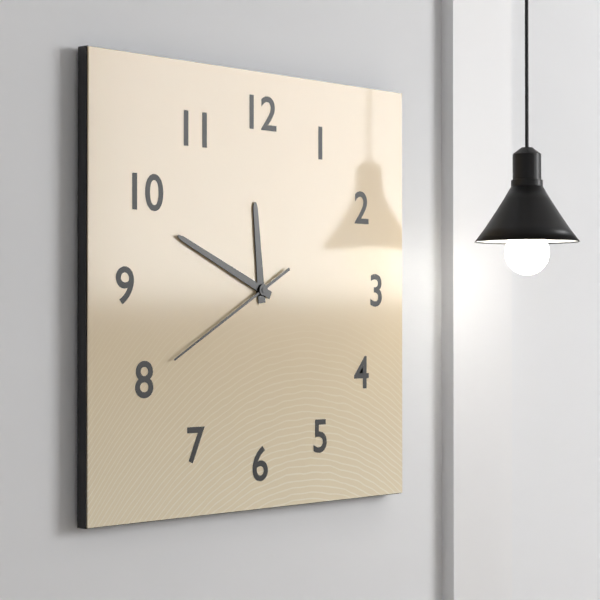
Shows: h=11 m=49 s=40
